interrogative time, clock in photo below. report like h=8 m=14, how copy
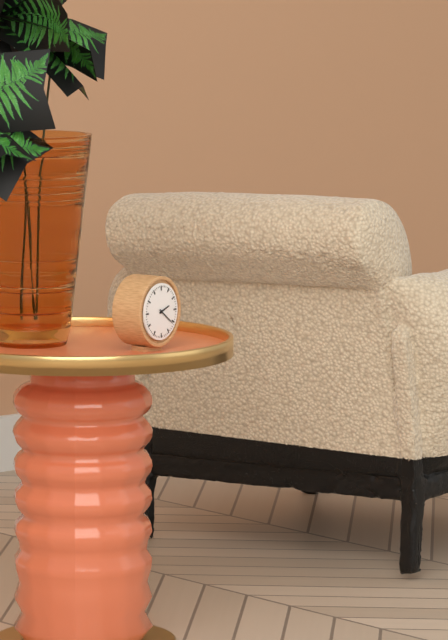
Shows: h=2 m=21
